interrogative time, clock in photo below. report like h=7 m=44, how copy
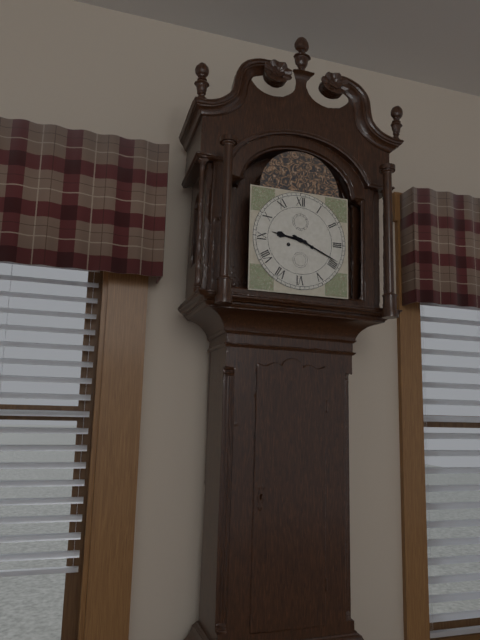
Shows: h=9 m=19
